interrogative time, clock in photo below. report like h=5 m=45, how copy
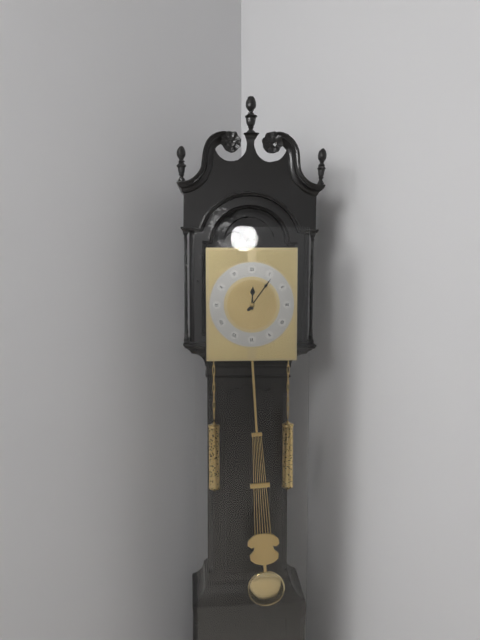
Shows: h=12 m=6
